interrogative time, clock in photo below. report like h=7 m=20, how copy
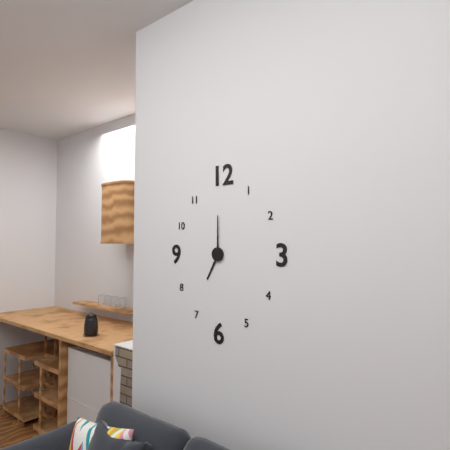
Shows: h=7 m=0
